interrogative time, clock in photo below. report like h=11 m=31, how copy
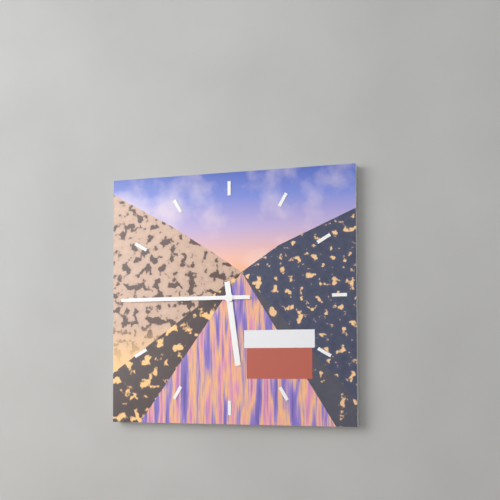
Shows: h=5 m=45
